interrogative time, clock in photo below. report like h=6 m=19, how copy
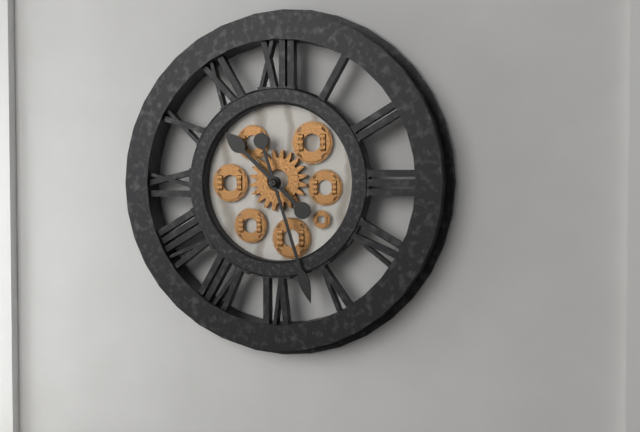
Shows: h=10 m=27
